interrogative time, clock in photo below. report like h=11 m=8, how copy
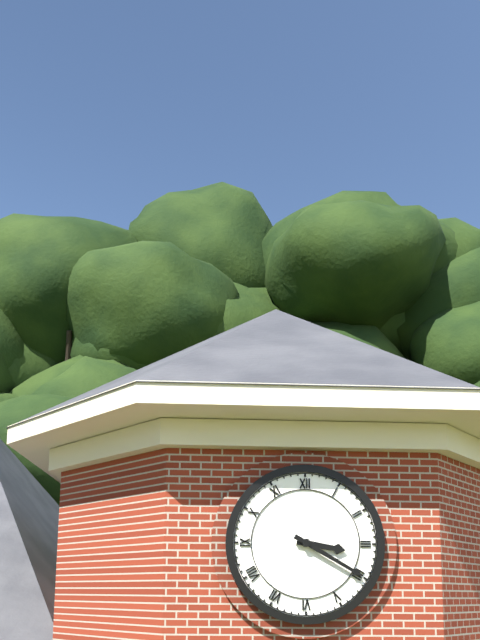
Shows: h=3 m=20
